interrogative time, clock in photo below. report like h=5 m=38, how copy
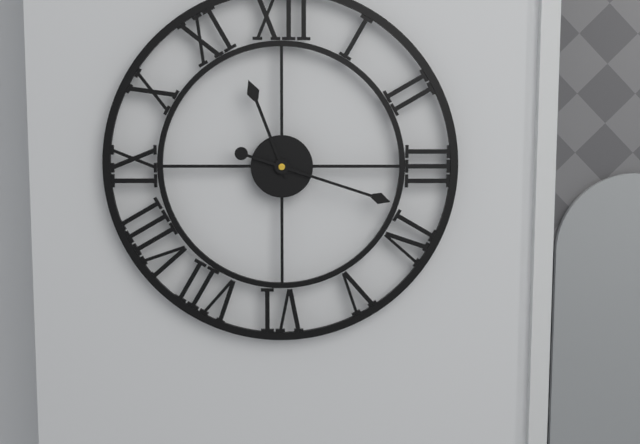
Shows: h=11 m=18
